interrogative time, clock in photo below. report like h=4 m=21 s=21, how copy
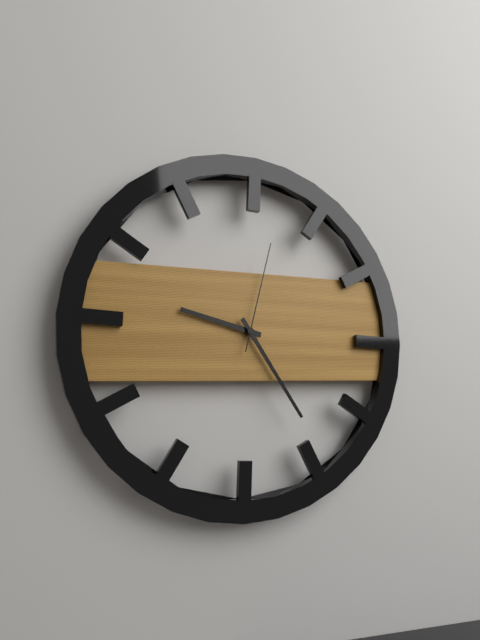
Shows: h=9 m=24 s=2
